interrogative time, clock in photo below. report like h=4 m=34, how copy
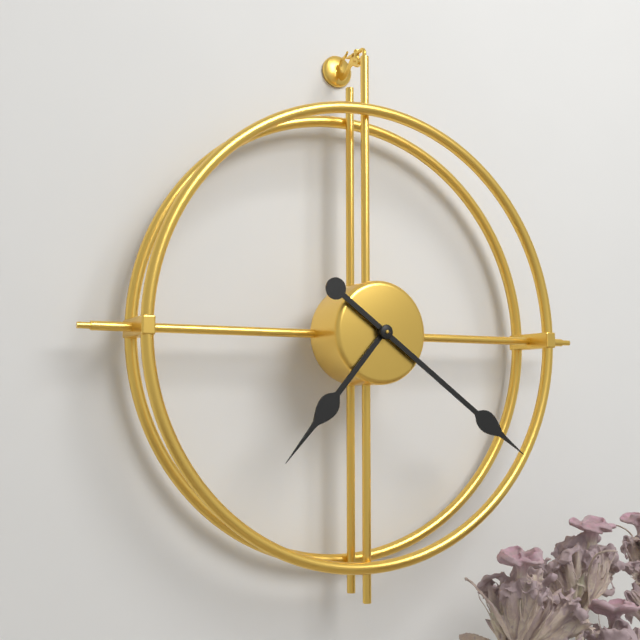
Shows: h=7 m=21
